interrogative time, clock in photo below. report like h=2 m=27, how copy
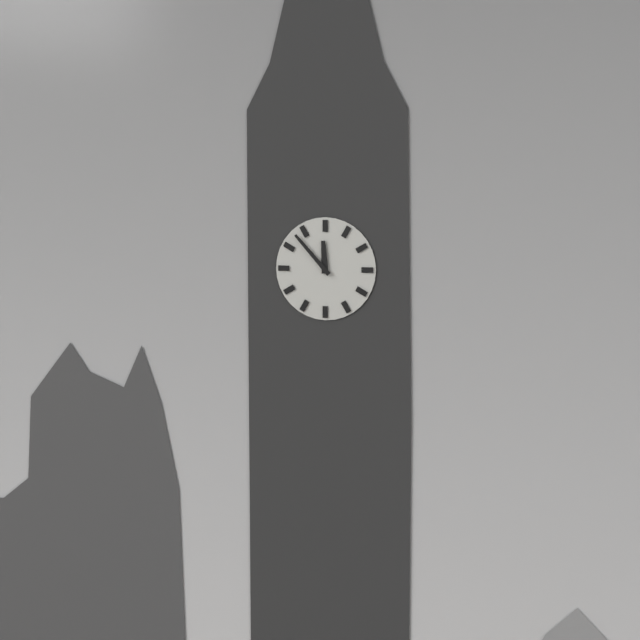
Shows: h=11 m=53
